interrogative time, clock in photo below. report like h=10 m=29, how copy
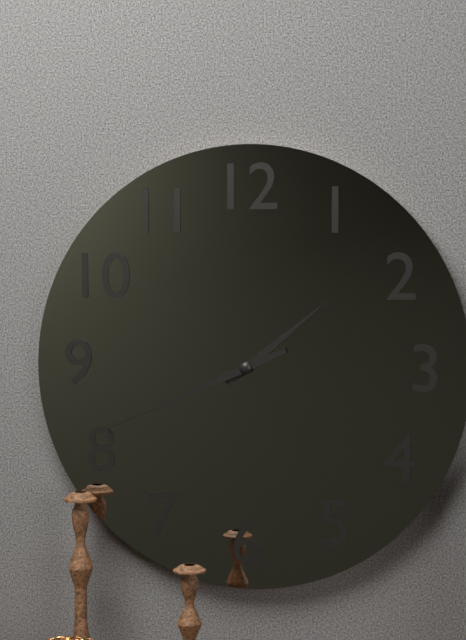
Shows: h=1 m=41
